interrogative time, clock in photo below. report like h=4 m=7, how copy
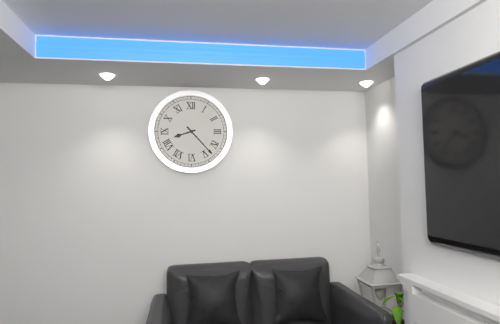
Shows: h=8 m=23
